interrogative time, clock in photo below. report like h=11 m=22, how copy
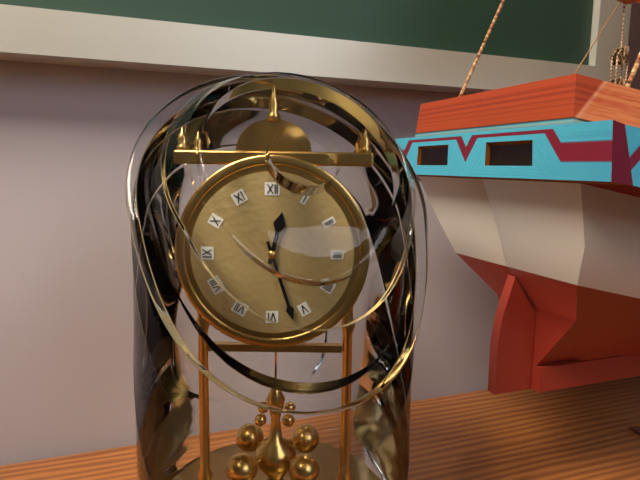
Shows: h=12 m=27
